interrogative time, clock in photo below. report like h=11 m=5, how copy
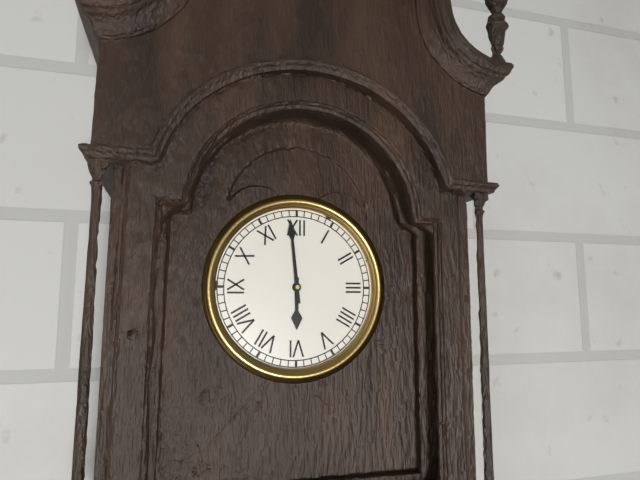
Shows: h=5 m=59
